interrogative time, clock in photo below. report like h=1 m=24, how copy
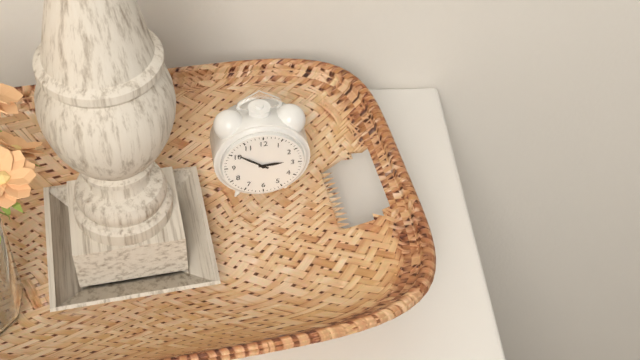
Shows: h=2 m=51
